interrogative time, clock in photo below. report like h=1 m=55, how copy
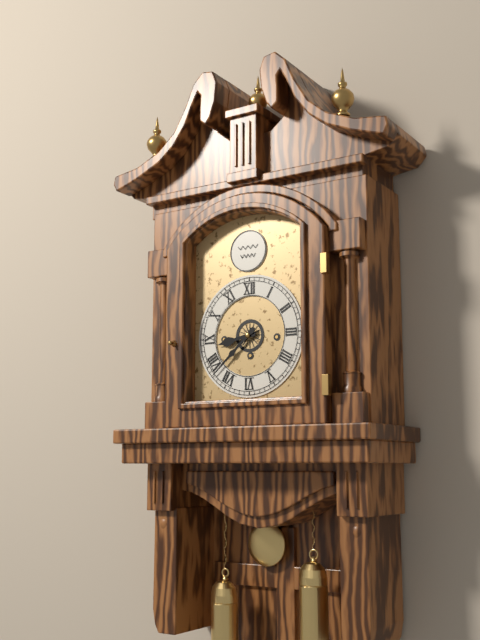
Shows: h=8 m=38
